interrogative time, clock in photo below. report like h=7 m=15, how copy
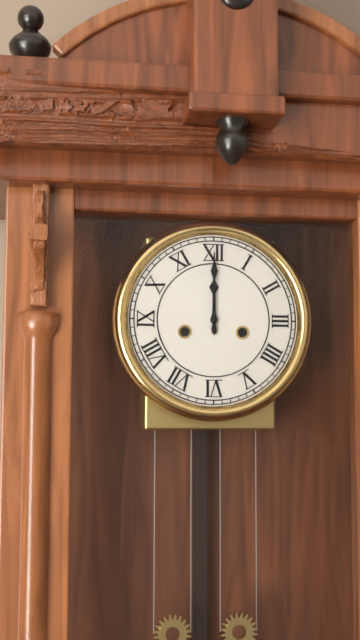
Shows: h=12 m=0
